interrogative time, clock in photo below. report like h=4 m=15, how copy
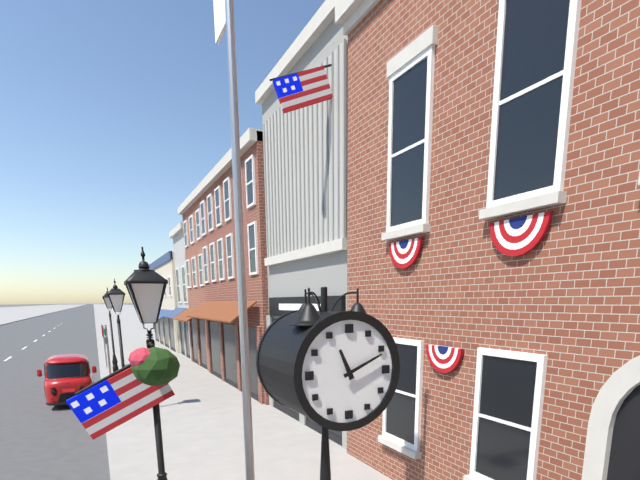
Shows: h=11 m=11
